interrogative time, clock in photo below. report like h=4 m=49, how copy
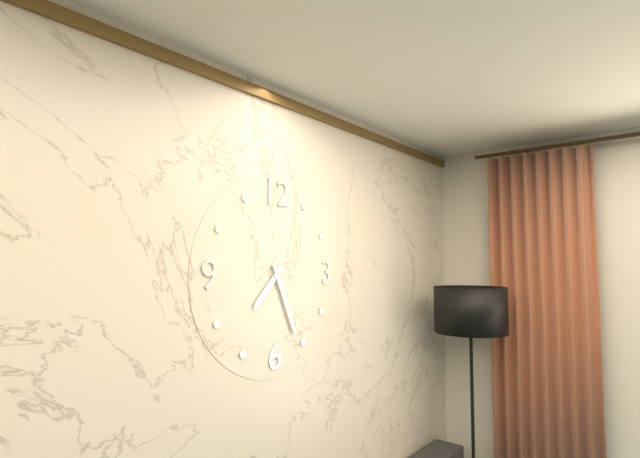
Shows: h=7 m=26
